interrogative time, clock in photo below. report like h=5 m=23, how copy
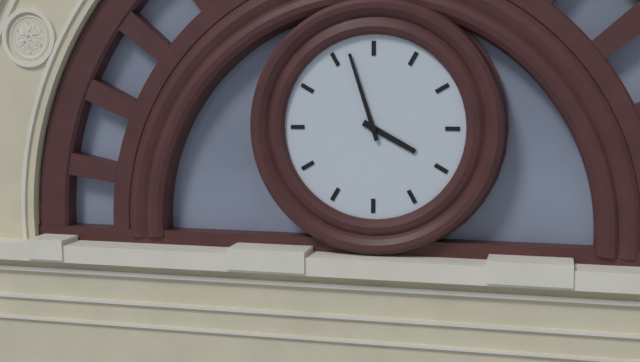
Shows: h=3 m=57
